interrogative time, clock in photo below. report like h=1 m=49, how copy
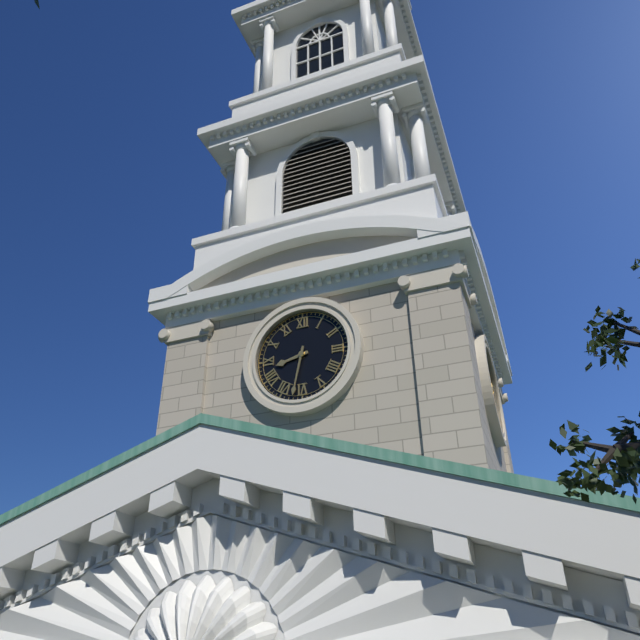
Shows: h=8 m=32
